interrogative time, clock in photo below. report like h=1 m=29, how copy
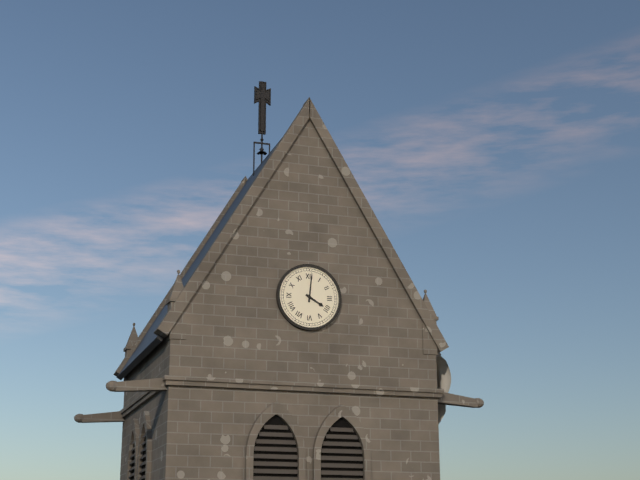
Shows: h=4 m=1
